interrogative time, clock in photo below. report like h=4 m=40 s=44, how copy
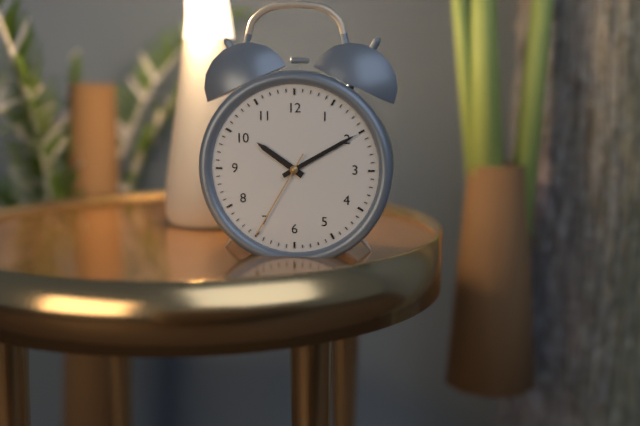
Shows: h=10 m=10 s=35
